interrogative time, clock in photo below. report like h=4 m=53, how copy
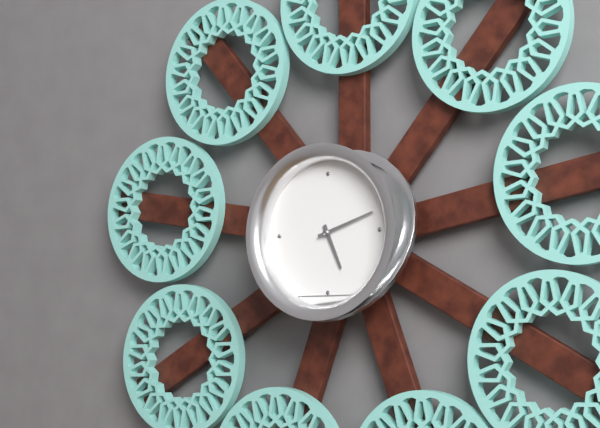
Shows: h=5 m=12
